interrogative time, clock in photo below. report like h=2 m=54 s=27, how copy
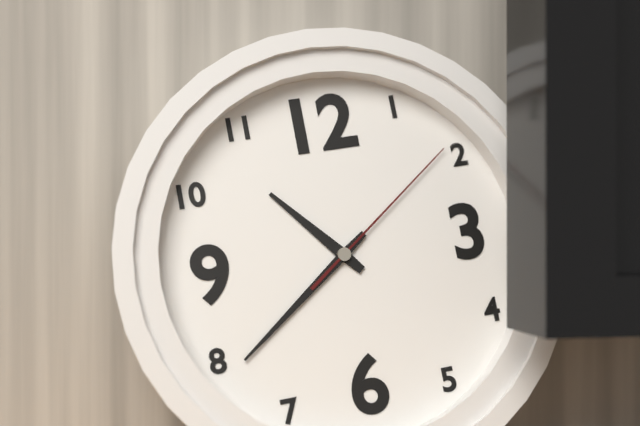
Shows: h=10 m=39 s=9
